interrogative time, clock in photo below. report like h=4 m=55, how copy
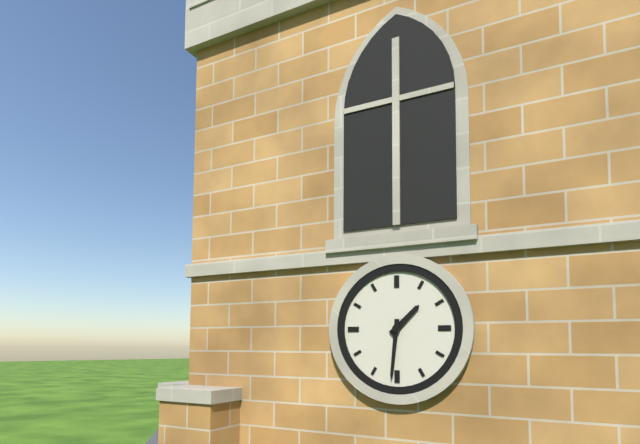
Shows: h=1 m=31
